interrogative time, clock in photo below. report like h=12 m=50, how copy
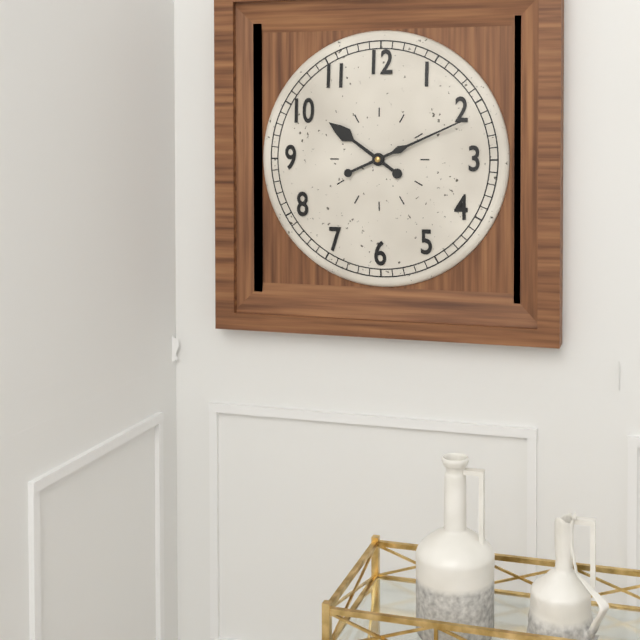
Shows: h=10 m=11
